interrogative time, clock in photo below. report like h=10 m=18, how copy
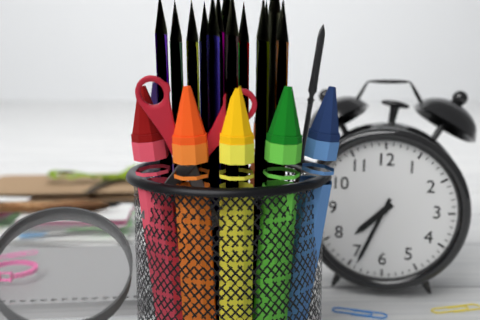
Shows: h=7 m=34
